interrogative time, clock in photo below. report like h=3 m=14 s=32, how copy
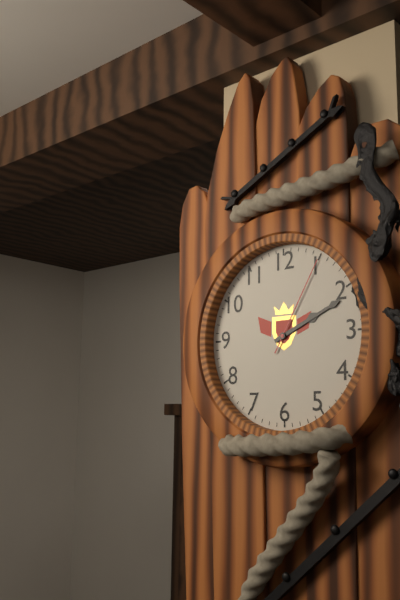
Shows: h=2 m=11 s=5
